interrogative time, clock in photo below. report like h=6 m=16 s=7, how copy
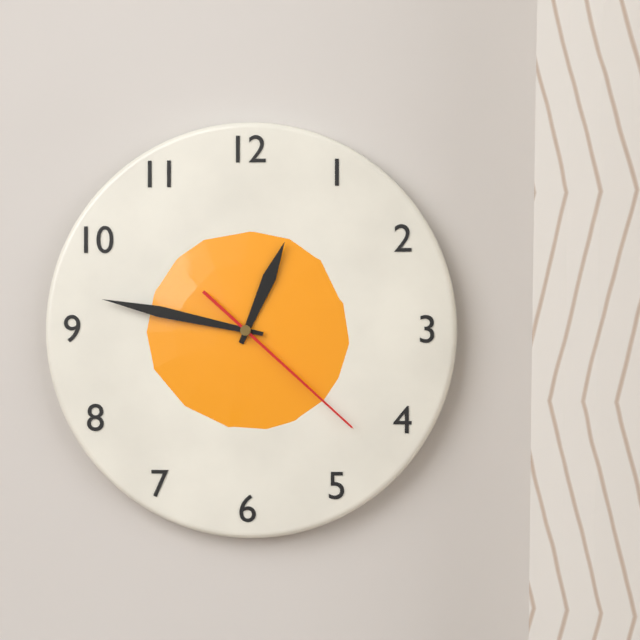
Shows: h=12 m=47 s=22
